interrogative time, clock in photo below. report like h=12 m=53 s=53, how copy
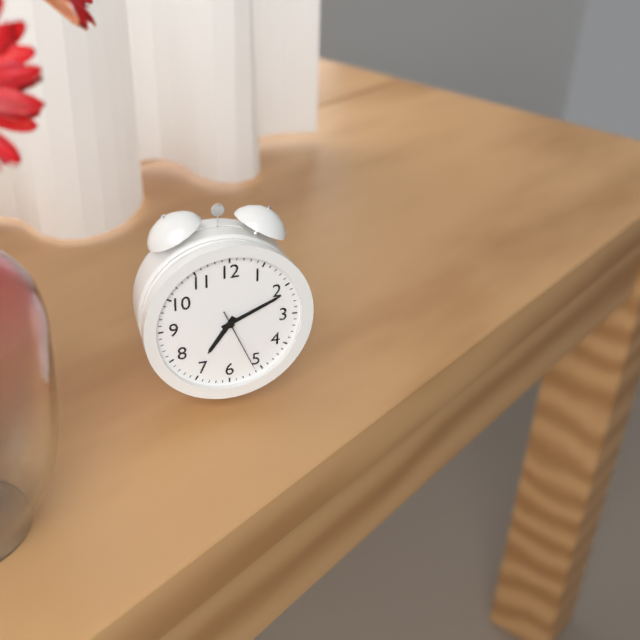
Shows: h=7 m=11 s=26
